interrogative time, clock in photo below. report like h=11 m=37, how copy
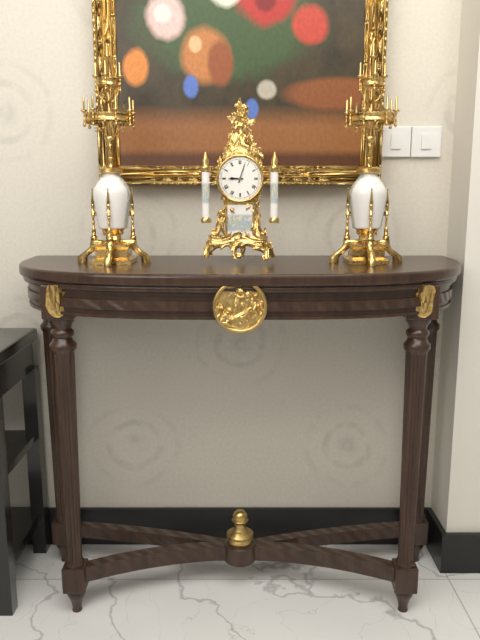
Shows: h=9 m=3
